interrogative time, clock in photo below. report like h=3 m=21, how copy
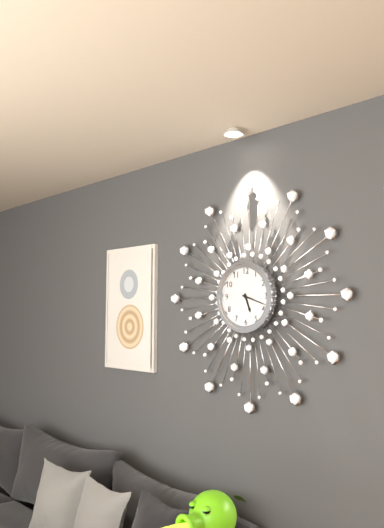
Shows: h=5 m=18
